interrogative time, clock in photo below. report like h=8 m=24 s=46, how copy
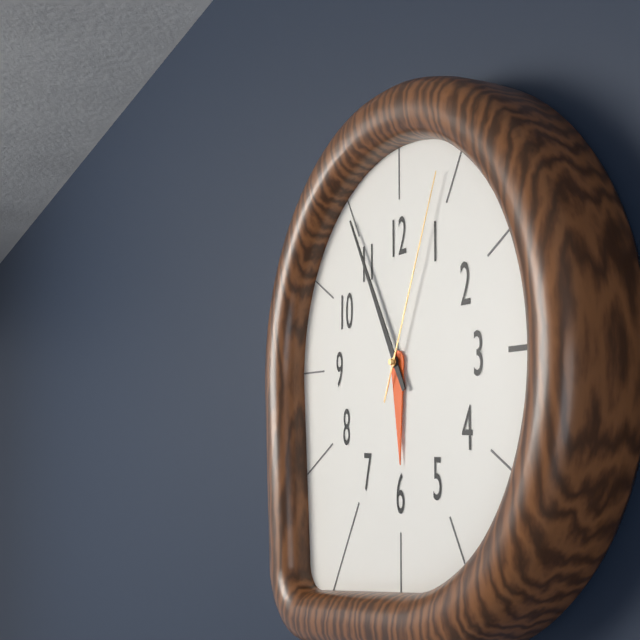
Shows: h=5 m=55 s=4
